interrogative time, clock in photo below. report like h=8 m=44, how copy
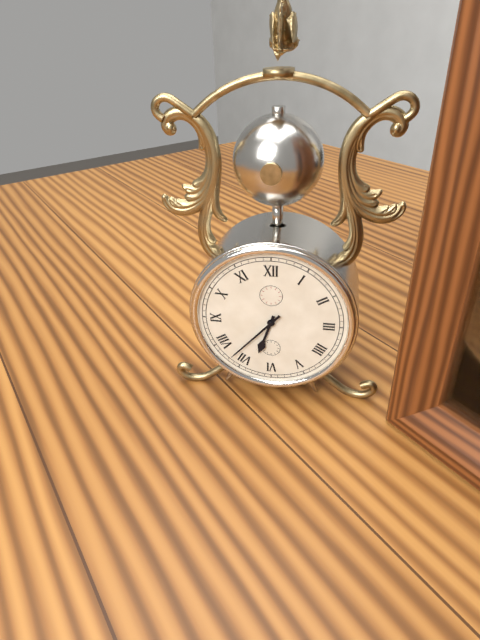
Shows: h=6 m=37
